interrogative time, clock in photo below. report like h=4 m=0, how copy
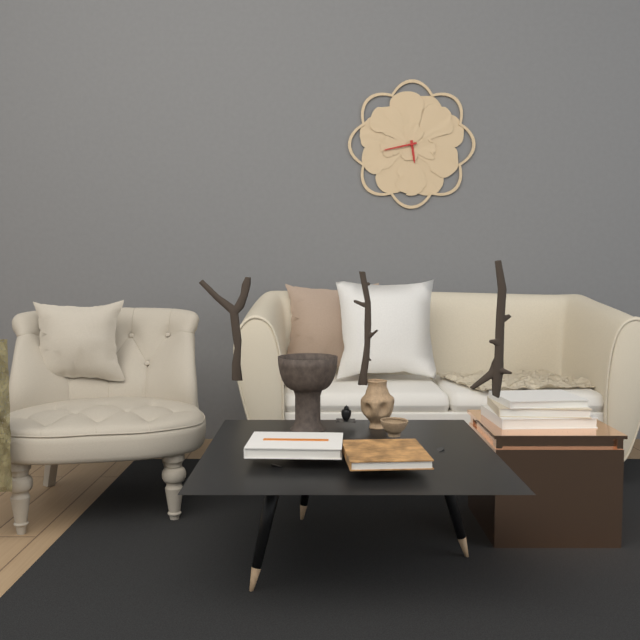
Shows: h=5 m=43
